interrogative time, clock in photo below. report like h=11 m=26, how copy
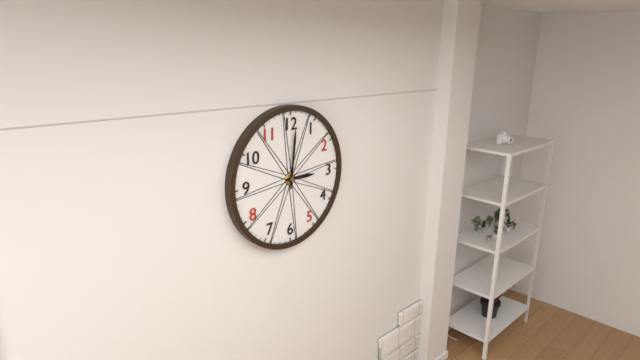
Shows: h=3 m=1
